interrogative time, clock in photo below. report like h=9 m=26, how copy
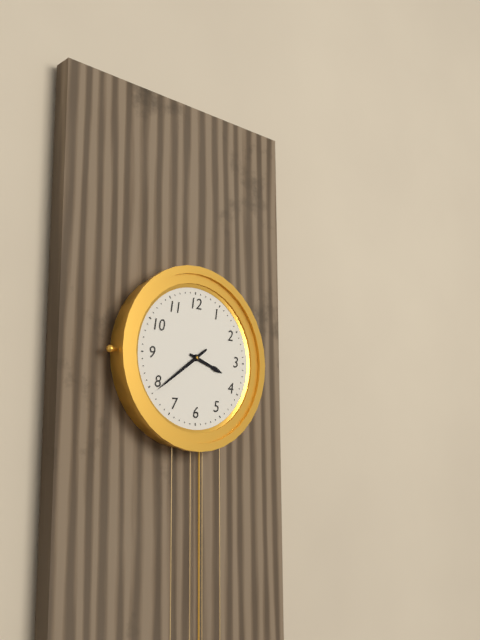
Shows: h=3 m=39
